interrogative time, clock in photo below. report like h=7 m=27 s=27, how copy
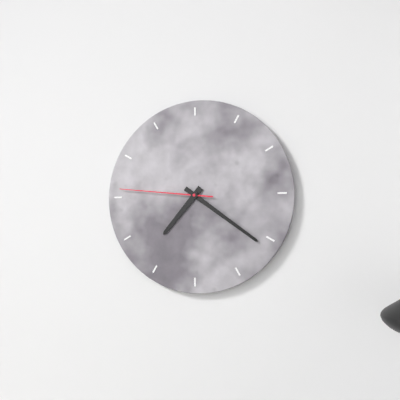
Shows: h=7 m=21 s=46
